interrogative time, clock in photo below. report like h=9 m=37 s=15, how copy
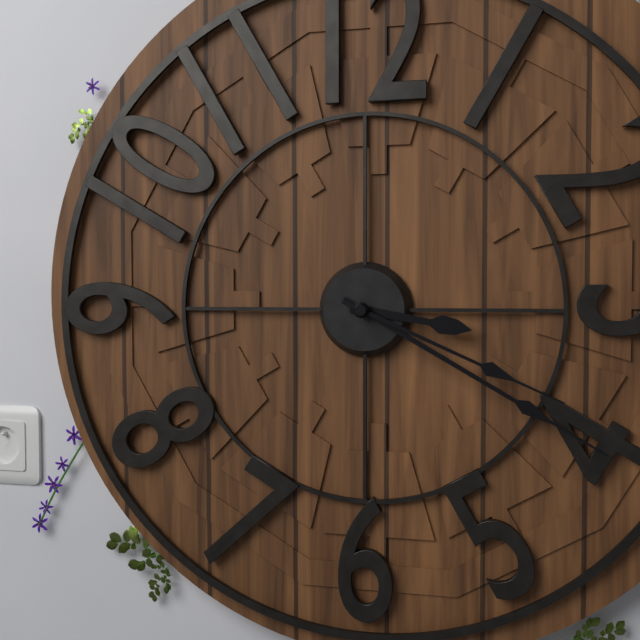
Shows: h=3 m=20 s=19
